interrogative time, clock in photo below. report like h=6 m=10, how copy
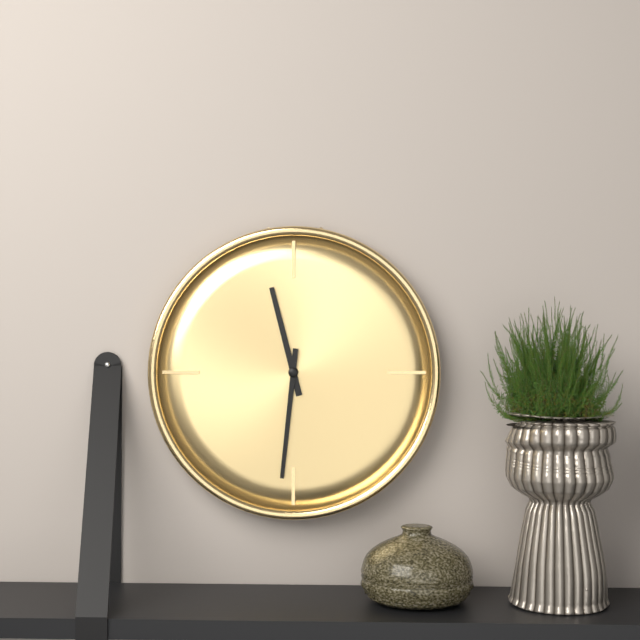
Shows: h=11 m=31
